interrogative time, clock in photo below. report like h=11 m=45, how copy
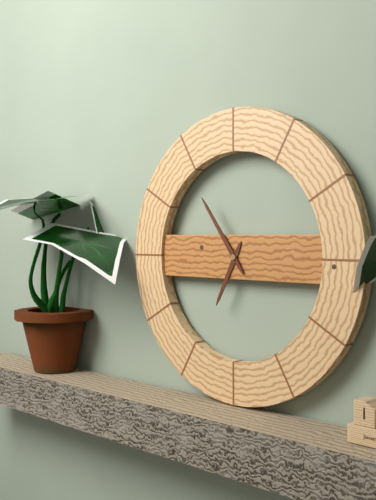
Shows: h=6 m=54
